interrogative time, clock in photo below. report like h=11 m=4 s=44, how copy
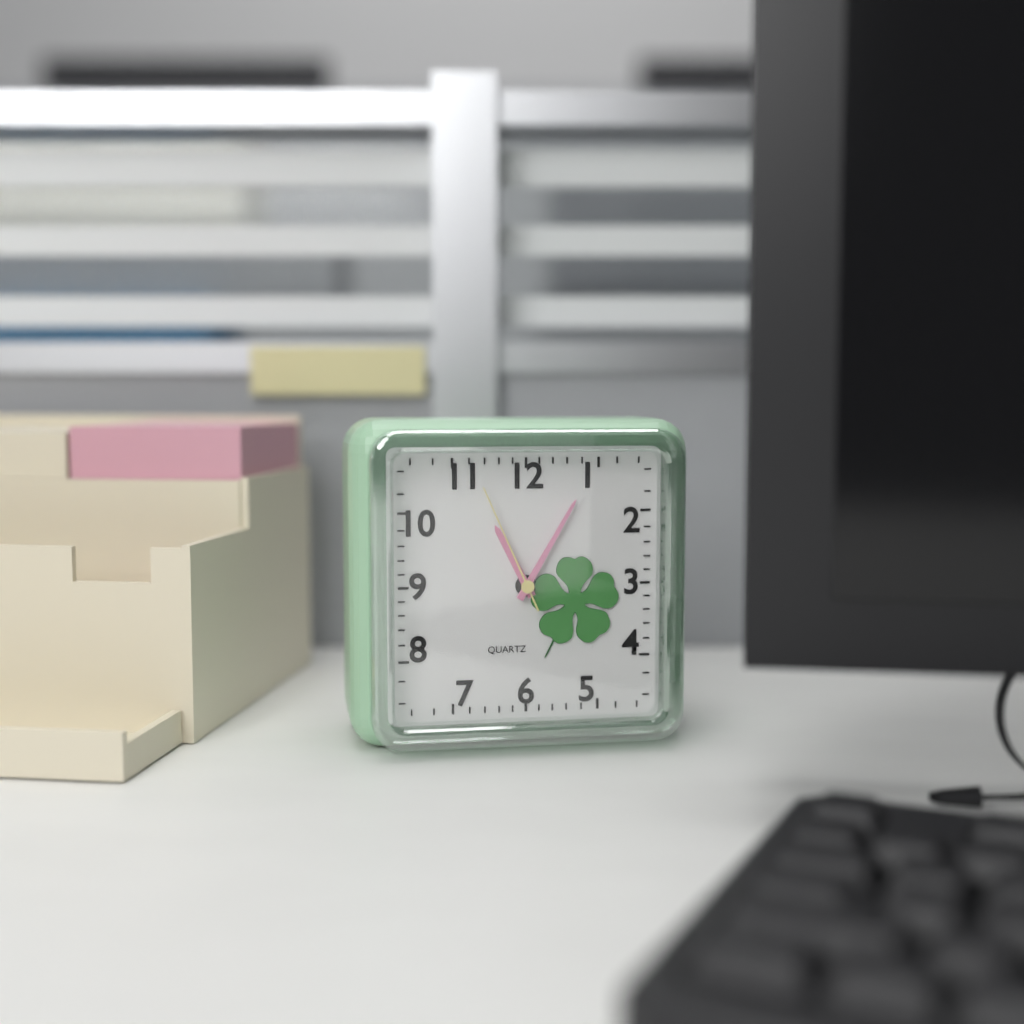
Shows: h=11 m=5 s=56
